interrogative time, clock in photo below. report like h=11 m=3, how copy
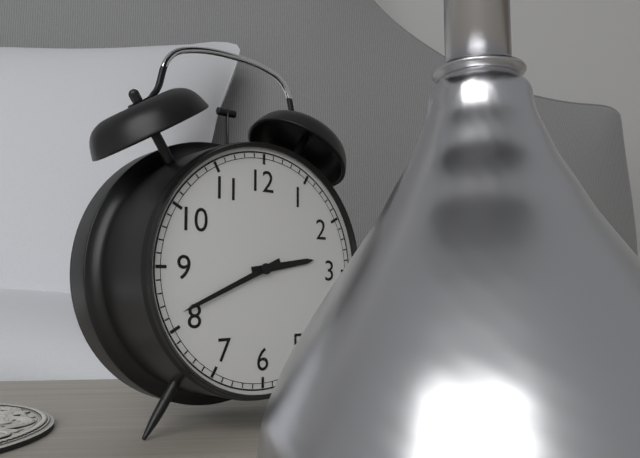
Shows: h=2 m=41
